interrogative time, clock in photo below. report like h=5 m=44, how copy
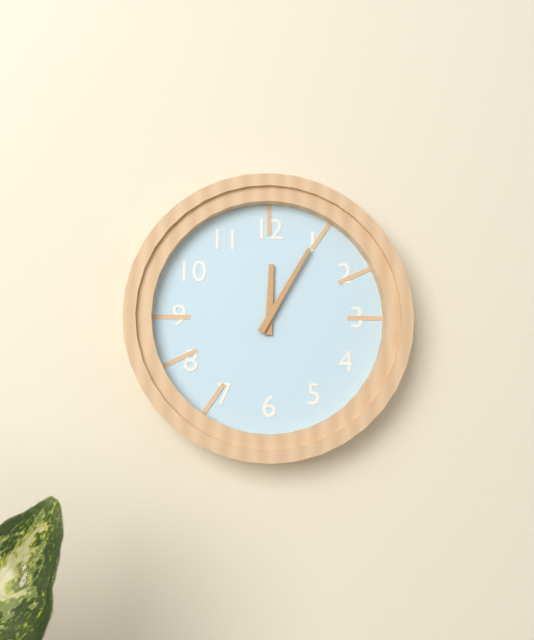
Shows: h=12 m=5
